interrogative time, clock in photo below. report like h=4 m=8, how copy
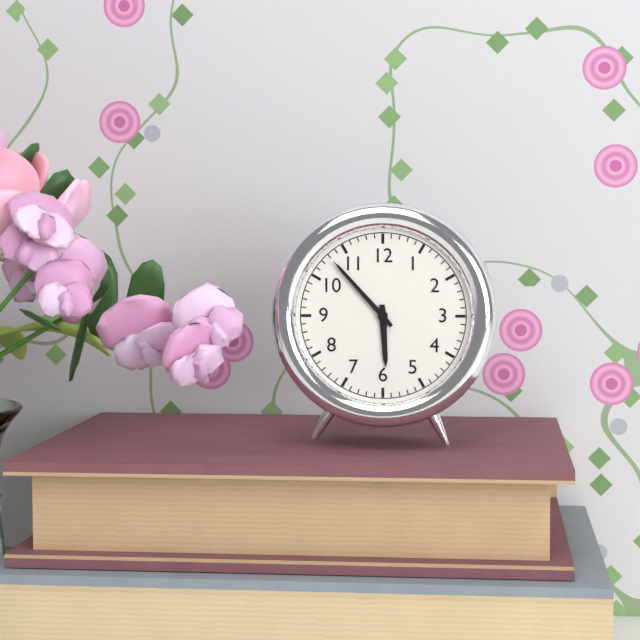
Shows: h=5 m=53
